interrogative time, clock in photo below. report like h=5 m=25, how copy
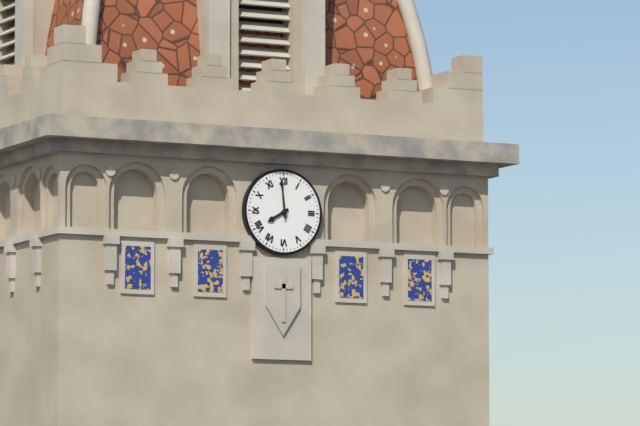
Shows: h=7 m=59
